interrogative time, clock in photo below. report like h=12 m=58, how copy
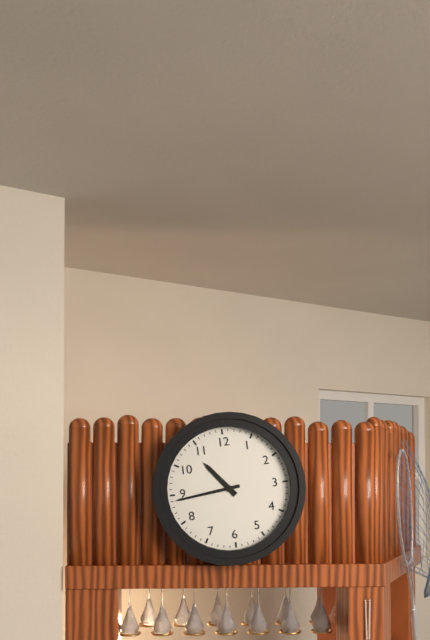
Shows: h=10 m=44
